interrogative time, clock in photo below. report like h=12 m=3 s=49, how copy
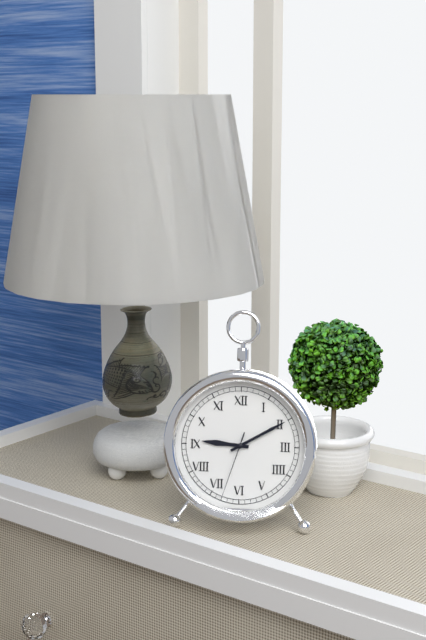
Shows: h=9 m=10 s=33
